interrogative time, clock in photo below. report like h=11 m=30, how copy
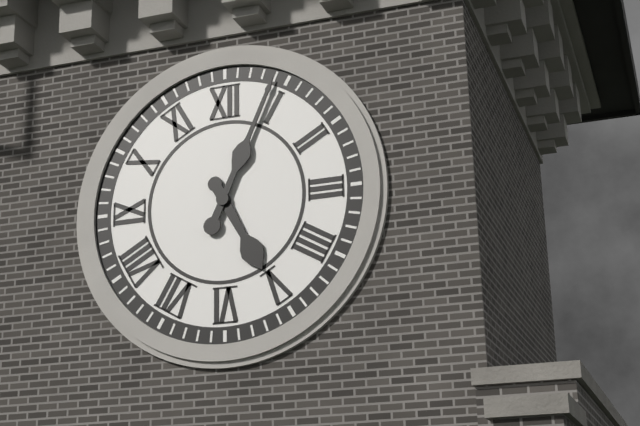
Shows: h=5 m=4
